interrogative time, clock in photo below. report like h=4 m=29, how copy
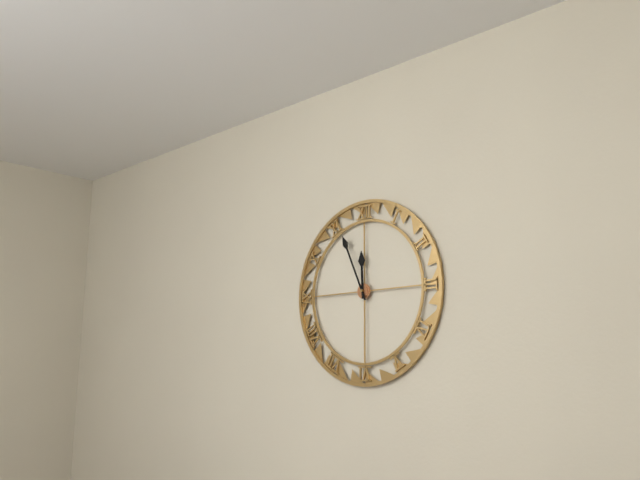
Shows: h=11 m=56
